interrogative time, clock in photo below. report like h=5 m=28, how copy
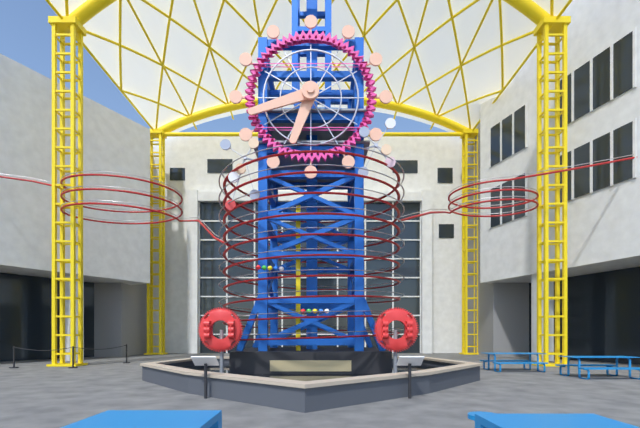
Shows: h=6 m=42
